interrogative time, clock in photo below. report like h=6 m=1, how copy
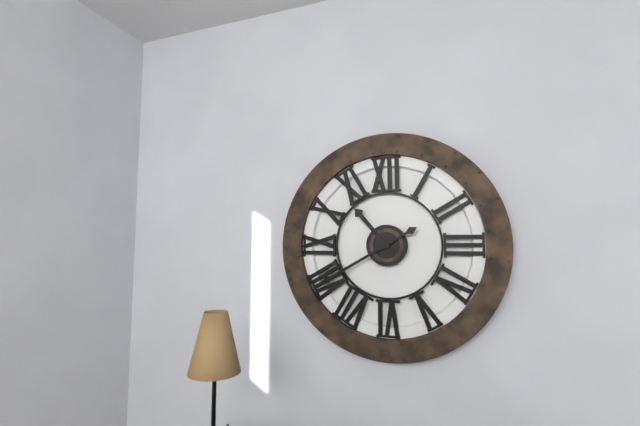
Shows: h=10 m=40
